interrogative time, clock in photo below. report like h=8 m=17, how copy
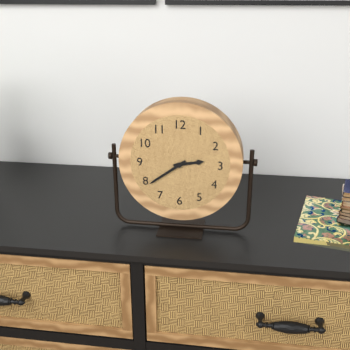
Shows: h=2 m=39
